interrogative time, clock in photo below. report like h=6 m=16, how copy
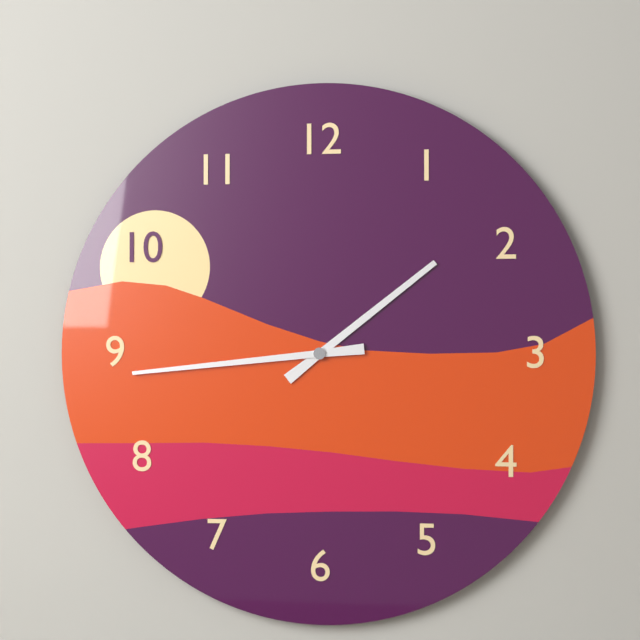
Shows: h=1 m=44
